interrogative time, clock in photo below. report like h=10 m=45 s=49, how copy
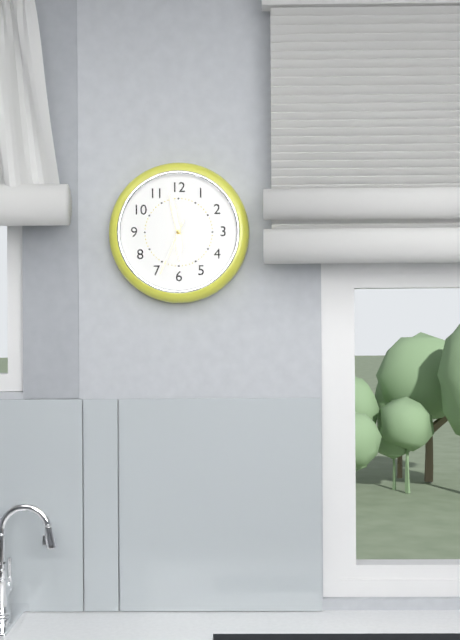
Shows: h=5 m=58 s=34
